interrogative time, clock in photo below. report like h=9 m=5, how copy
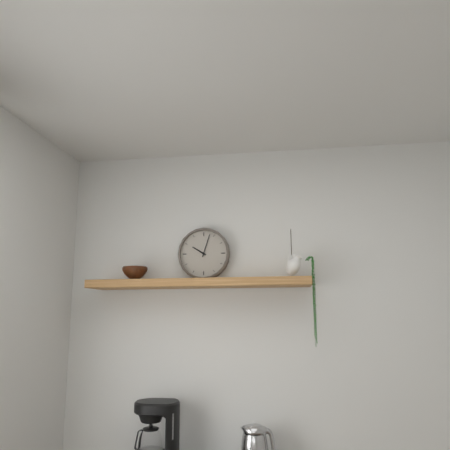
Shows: h=10 m=3
